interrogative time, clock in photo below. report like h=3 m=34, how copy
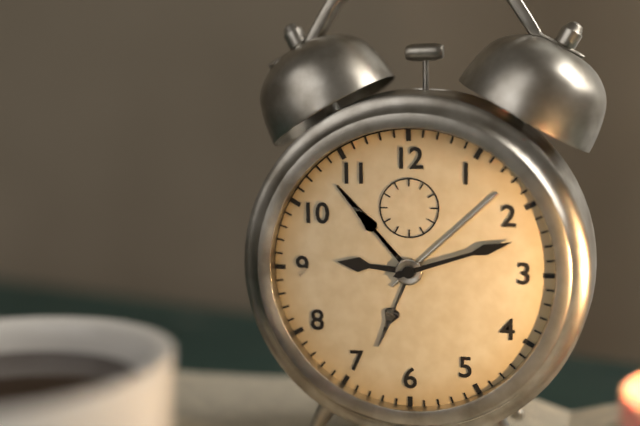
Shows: h=9 m=12
